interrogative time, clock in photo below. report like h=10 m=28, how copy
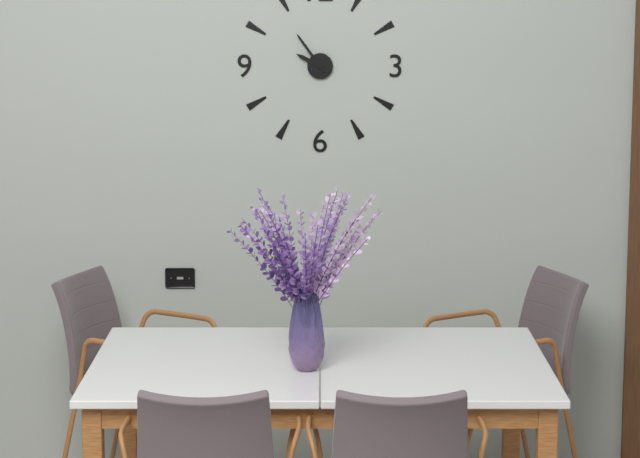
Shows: h=9 m=54
